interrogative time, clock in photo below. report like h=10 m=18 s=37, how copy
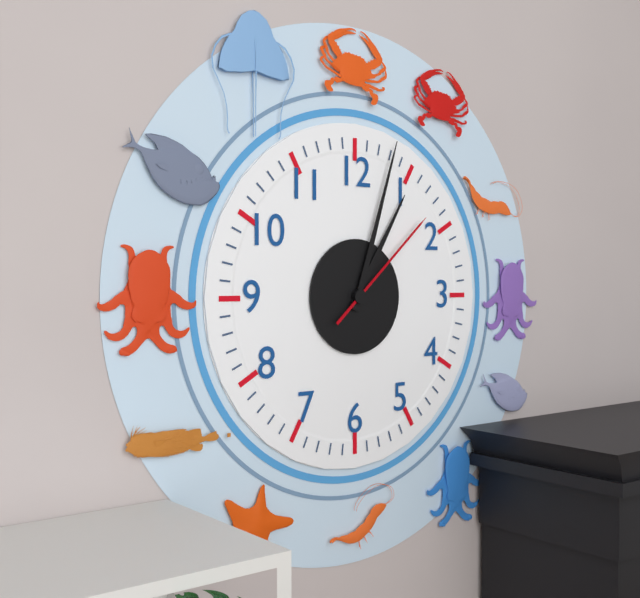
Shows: h=1 m=3 s=8
